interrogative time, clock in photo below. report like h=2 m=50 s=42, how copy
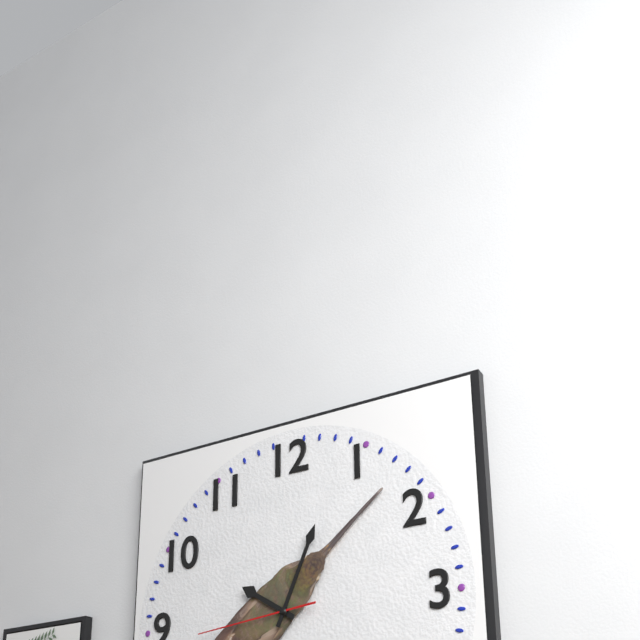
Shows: h=10 m=4 s=44
